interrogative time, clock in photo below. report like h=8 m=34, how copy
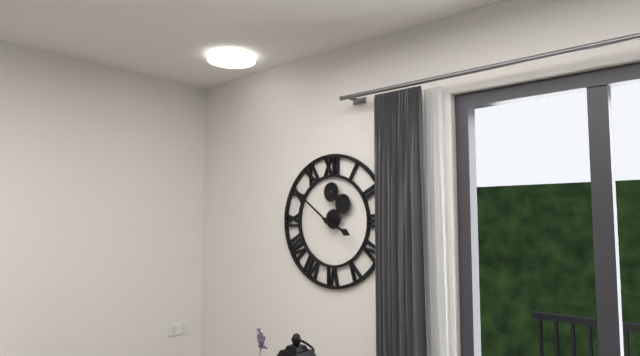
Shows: h=3 m=51
